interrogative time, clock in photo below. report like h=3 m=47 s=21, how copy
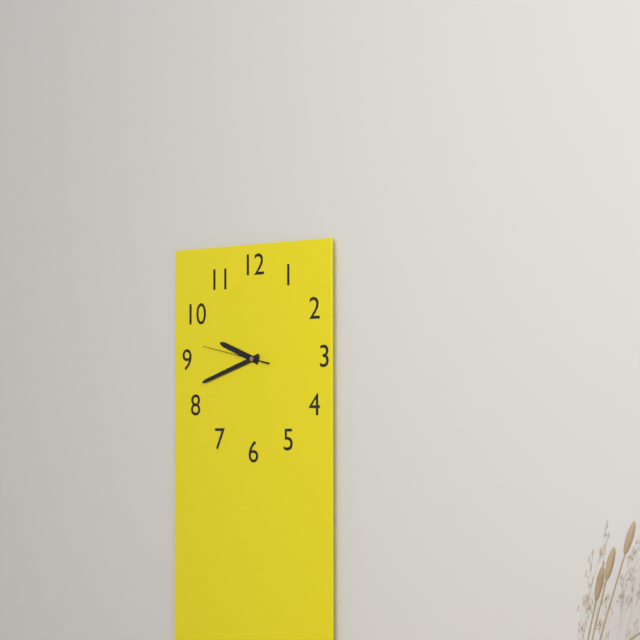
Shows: h=9 m=42 s=47
